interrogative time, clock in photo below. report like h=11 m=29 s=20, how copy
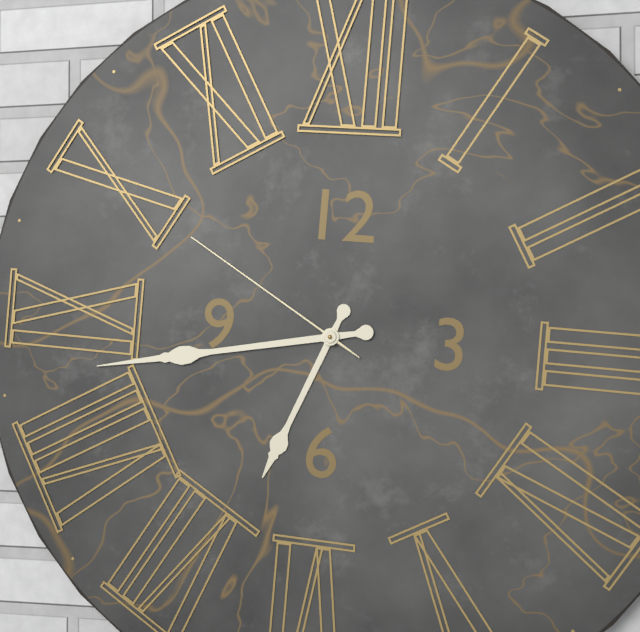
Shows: h=6 m=43 s=50
